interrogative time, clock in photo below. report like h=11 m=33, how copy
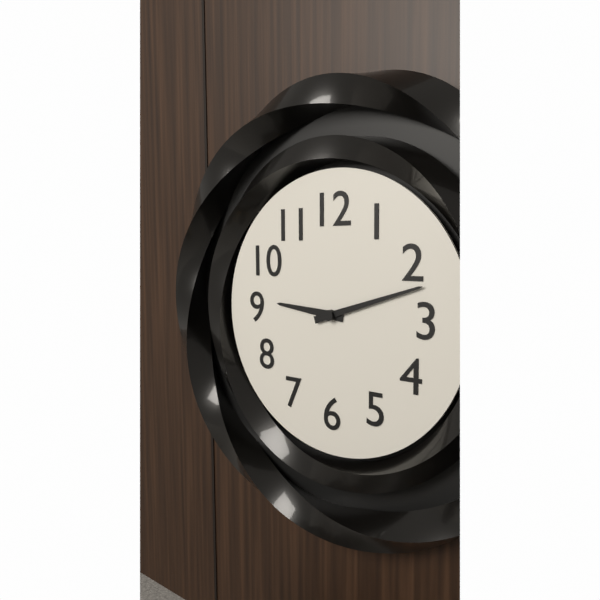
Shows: h=9 m=12
